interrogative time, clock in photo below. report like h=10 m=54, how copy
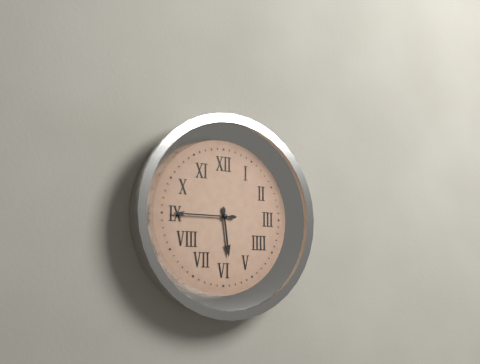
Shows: h=5 m=45
